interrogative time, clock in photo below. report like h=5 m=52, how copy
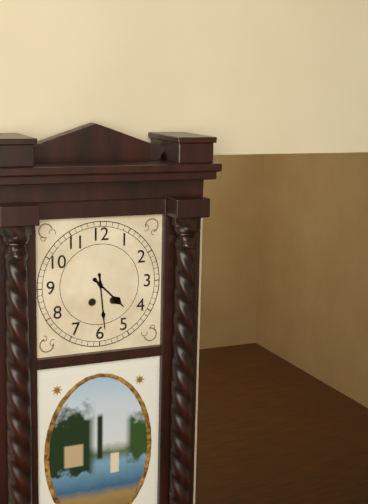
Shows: h=4 m=29
